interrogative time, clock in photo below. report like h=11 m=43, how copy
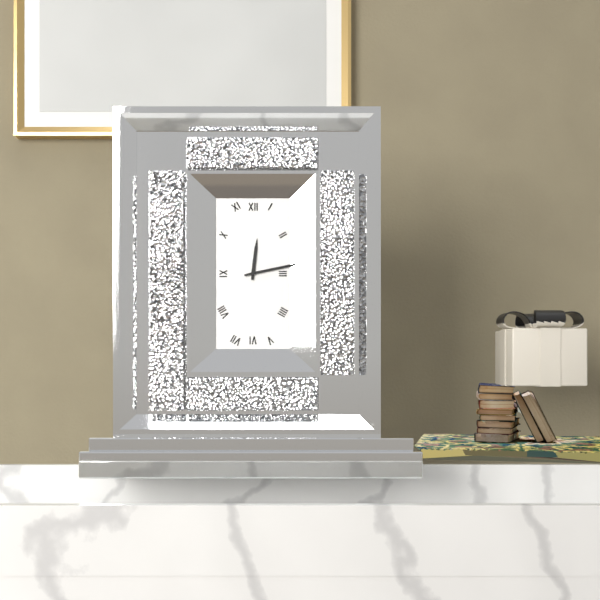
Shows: h=12 m=13
